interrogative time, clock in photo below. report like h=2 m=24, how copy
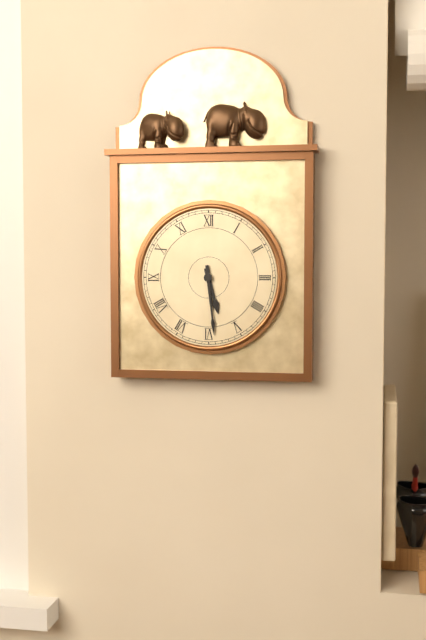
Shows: h=5 m=29
